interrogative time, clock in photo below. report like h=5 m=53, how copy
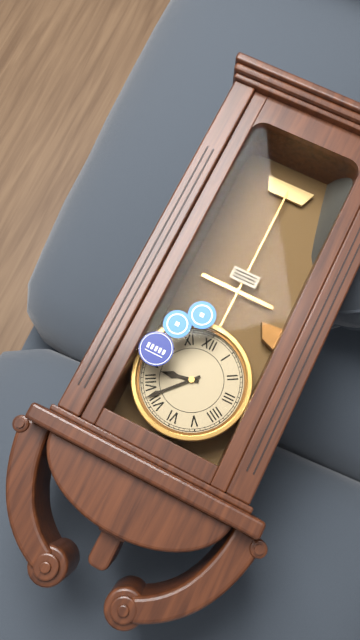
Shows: h=8 m=37
